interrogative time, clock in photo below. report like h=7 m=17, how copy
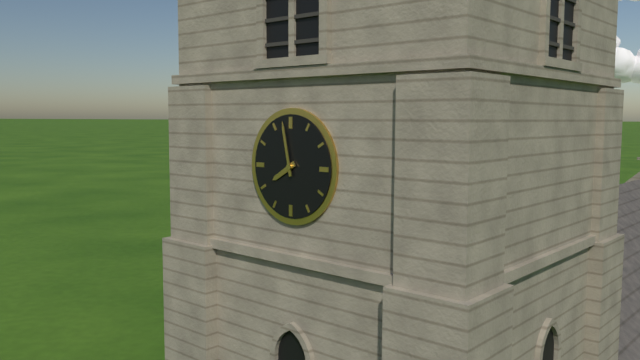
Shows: h=7 m=58
